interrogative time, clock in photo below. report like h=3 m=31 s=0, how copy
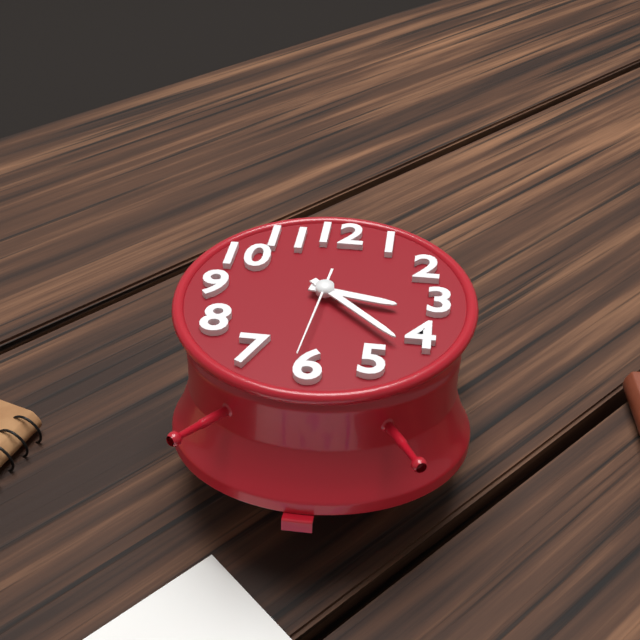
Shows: h=3 m=22 s=31
